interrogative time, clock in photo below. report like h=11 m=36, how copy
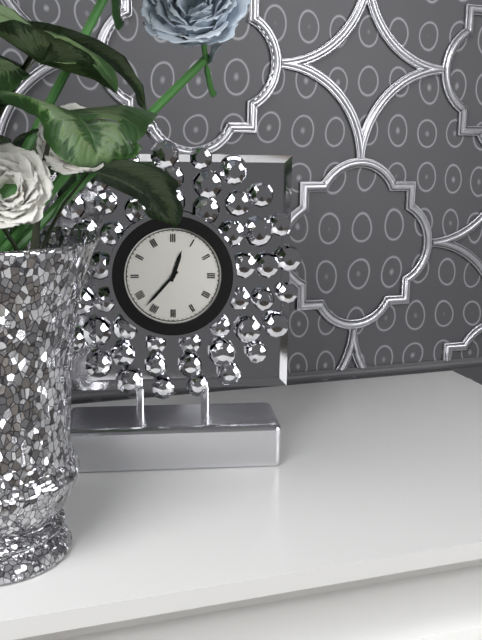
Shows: h=12 m=37
